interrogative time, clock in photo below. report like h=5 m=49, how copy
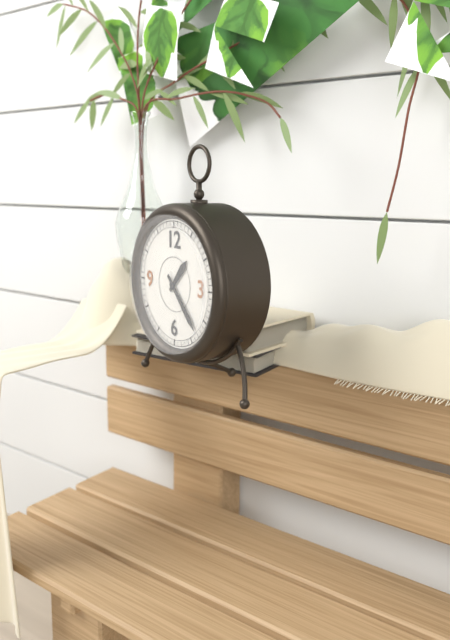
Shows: h=1 m=23
